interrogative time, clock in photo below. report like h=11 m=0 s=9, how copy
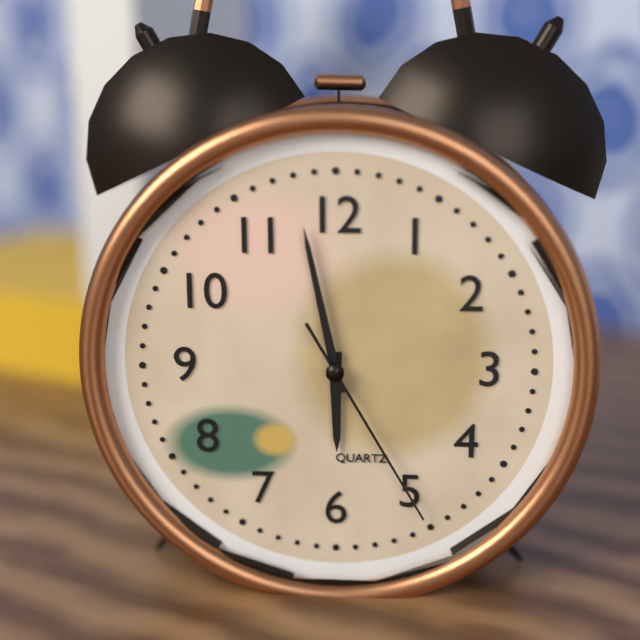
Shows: h=5 m=58 s=25
